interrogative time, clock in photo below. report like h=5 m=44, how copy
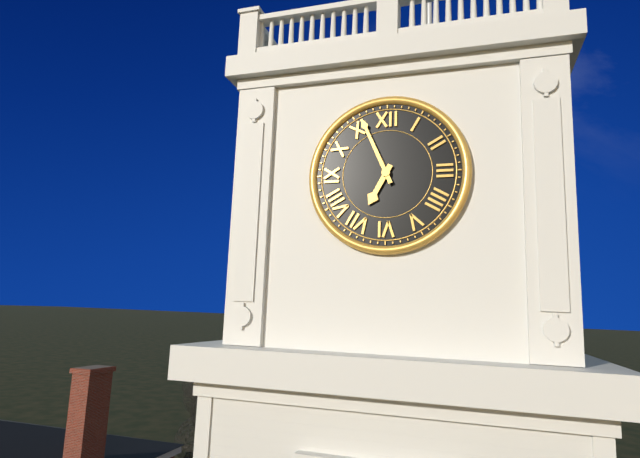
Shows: h=6 m=56
